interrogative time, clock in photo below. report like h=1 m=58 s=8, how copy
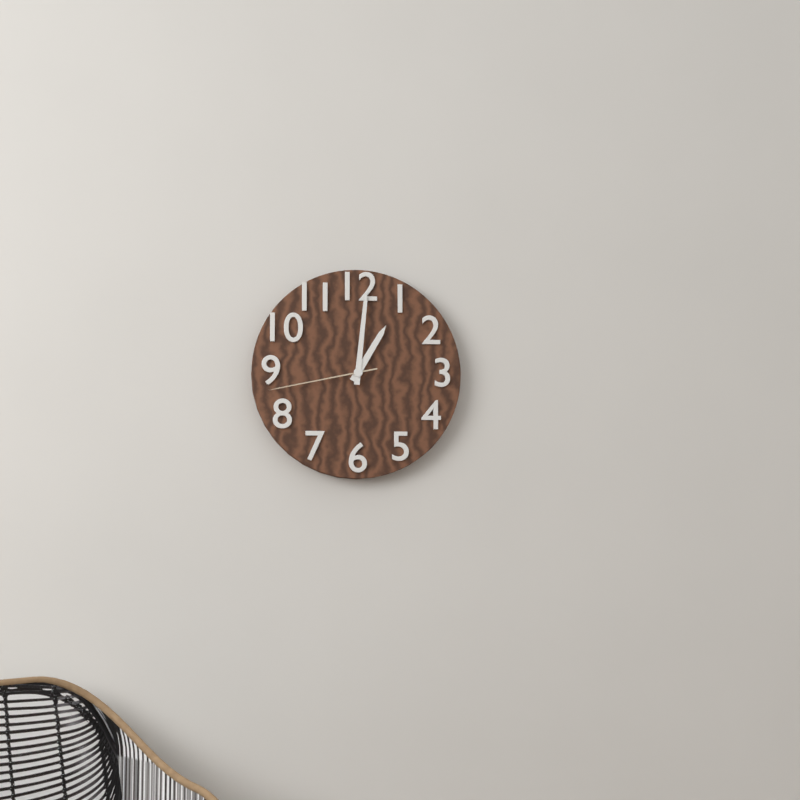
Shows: h=1 m=1 s=43
